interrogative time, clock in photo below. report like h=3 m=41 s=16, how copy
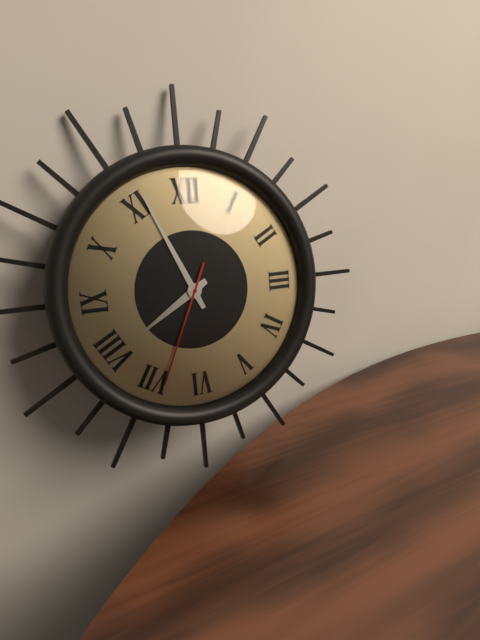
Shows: h=7 m=56 s=34
